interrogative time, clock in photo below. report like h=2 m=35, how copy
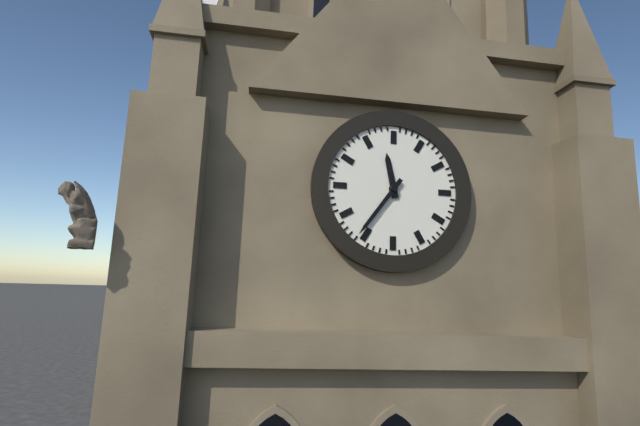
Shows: h=11 m=36
